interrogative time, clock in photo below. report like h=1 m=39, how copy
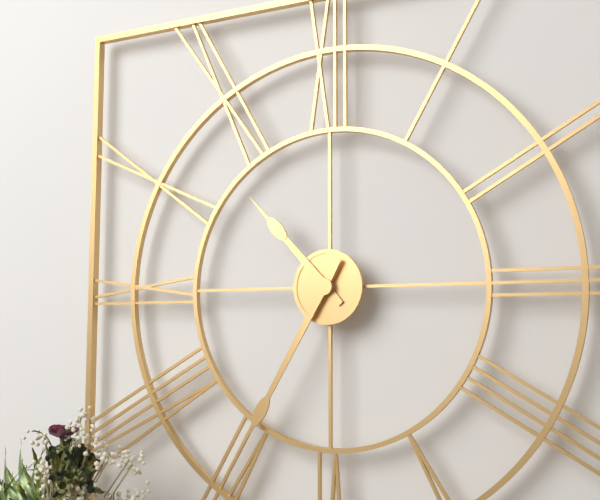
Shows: h=10 m=35
